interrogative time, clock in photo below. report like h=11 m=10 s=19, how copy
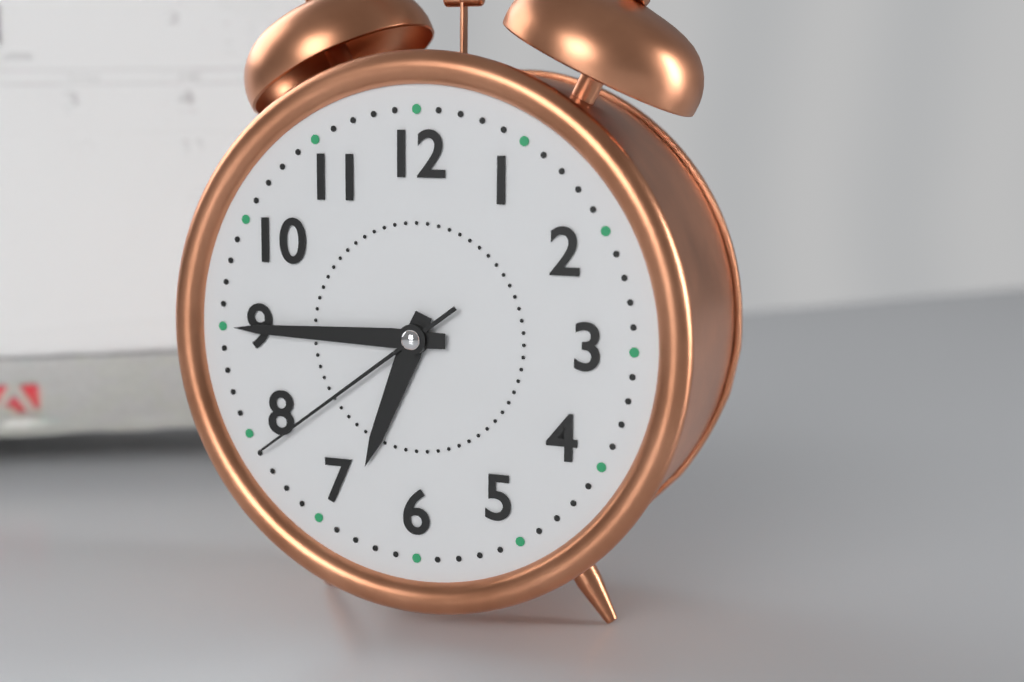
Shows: h=6 m=45 s=39
